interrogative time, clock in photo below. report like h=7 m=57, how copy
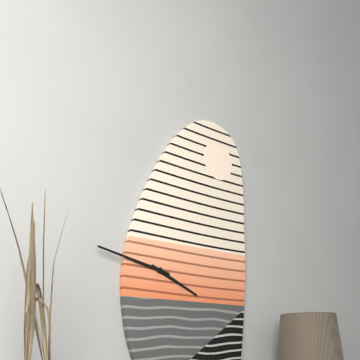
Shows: h=3 m=47
